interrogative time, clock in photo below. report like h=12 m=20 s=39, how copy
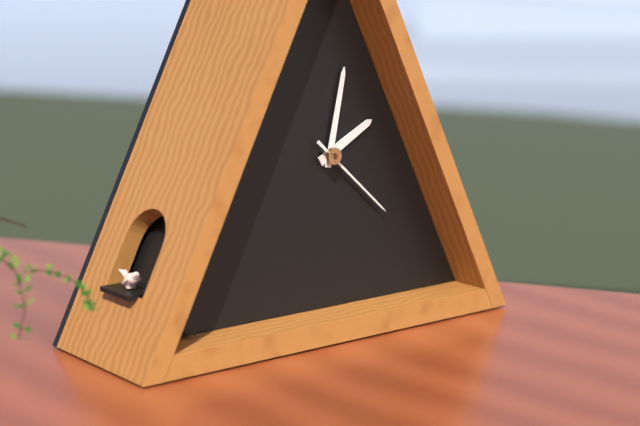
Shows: h=2 m=2 s=22
